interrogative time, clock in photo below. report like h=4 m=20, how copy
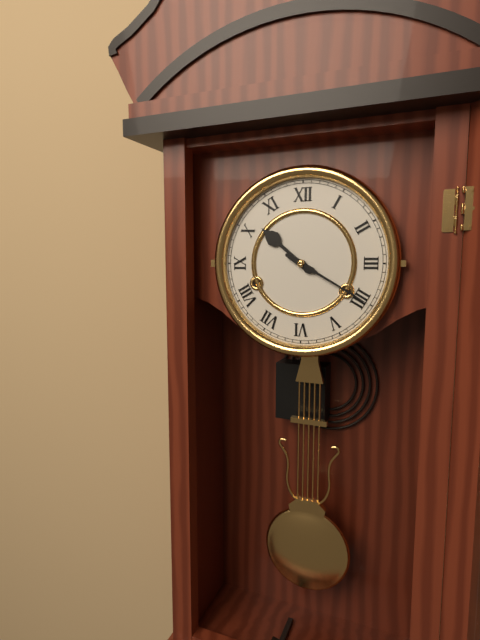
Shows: h=10 m=20
